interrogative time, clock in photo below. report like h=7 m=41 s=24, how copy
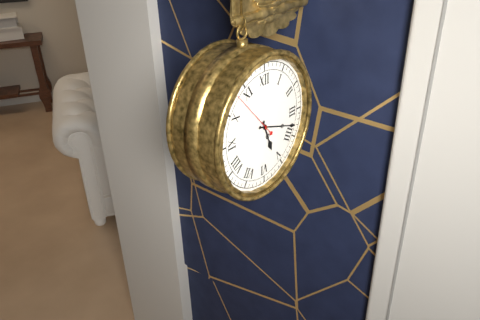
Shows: h=5 m=18 s=53
